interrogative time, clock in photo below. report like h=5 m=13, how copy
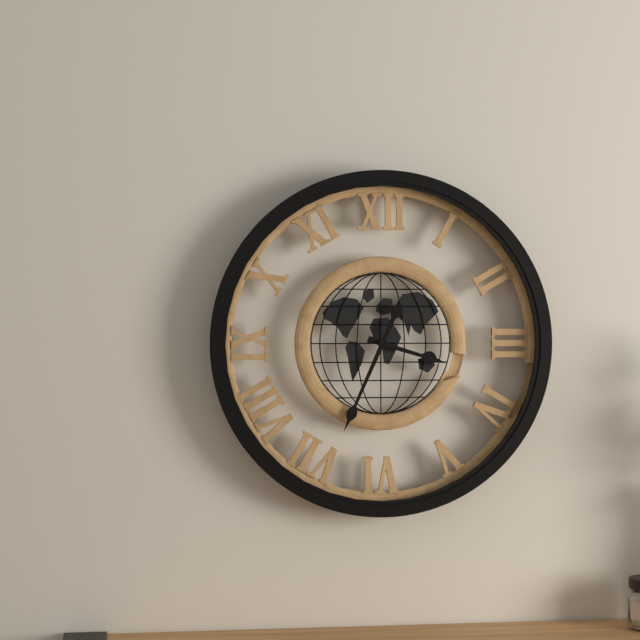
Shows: h=3 m=34
